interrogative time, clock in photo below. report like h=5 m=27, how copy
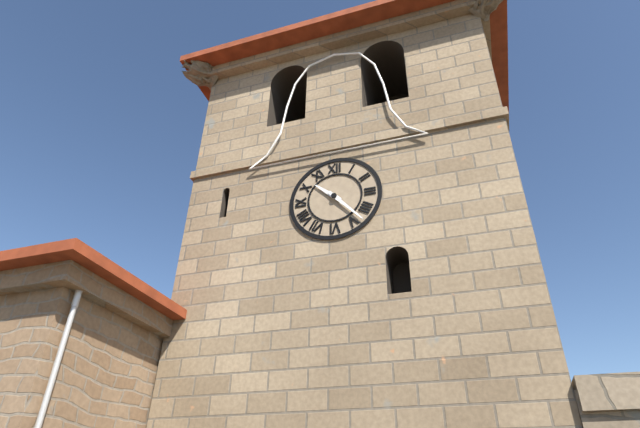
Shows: h=10 m=23
